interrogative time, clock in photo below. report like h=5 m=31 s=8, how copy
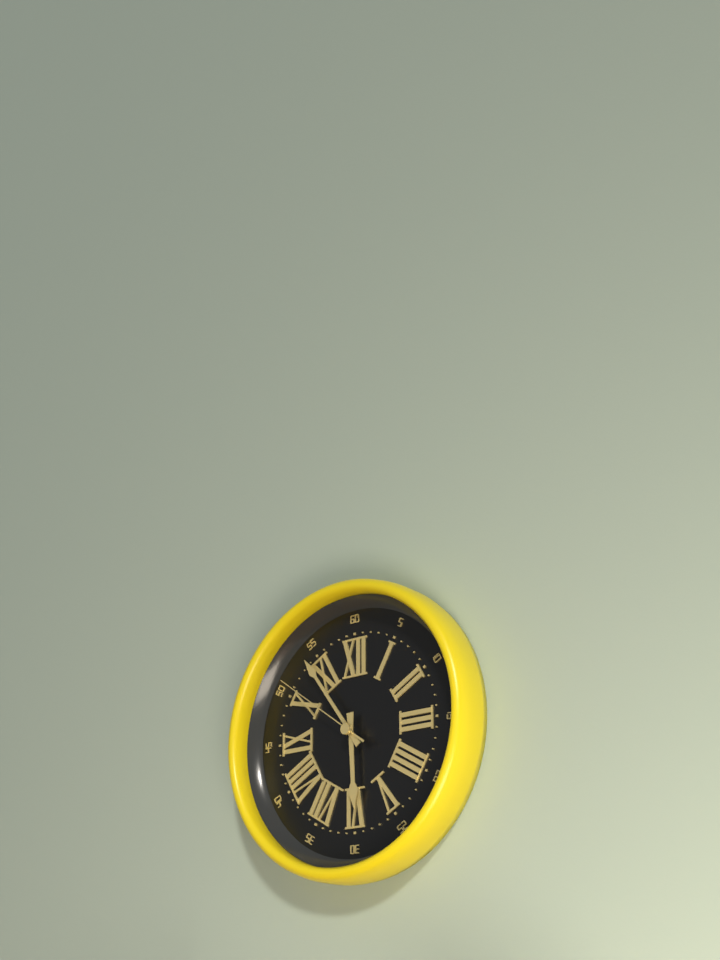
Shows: h=5 m=54 s=51
